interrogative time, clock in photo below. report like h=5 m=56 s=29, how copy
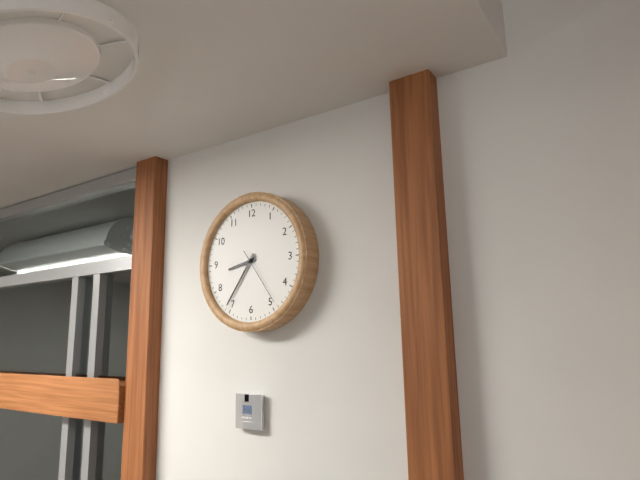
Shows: h=8 m=36 s=24
